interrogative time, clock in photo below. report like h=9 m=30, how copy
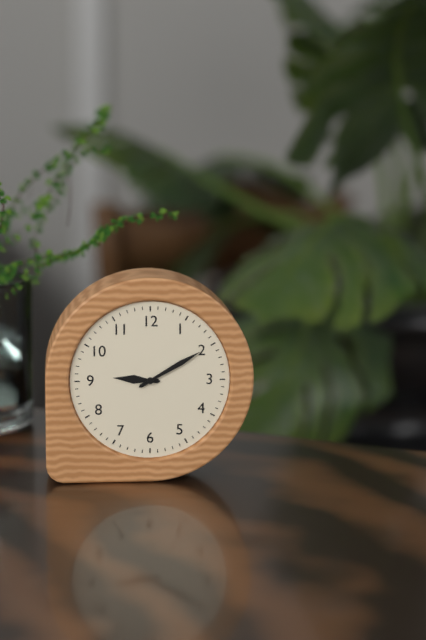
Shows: h=9 m=10
